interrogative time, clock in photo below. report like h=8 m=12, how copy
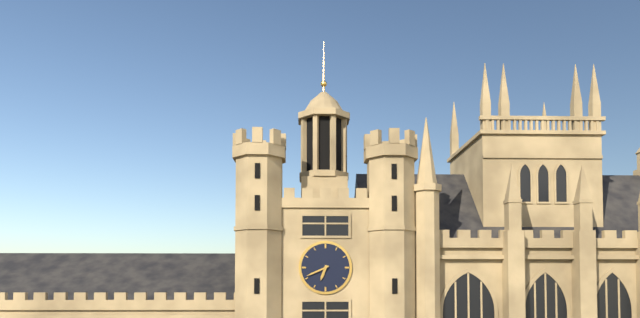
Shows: h=6 m=41
